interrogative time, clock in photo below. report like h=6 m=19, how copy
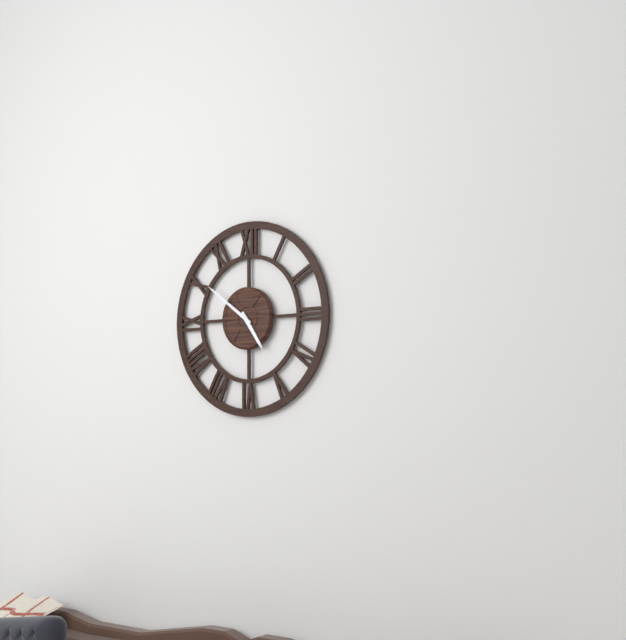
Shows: h=4 m=51
